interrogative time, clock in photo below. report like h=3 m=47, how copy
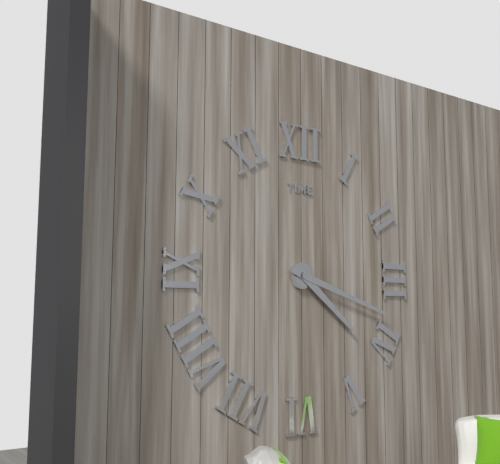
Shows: h=4 m=18
